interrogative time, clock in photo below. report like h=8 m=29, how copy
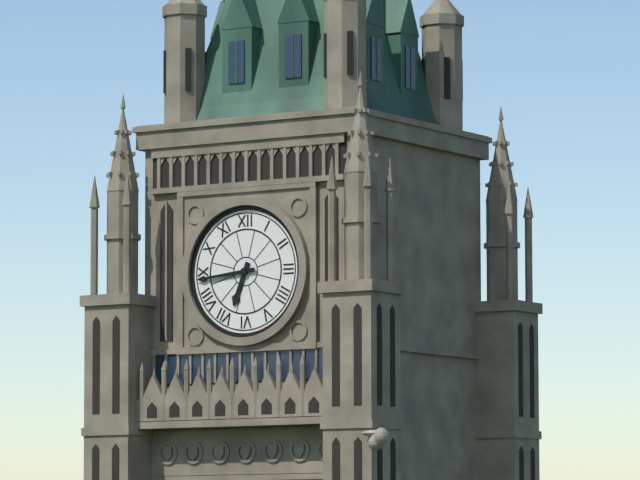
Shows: h=6 m=44
